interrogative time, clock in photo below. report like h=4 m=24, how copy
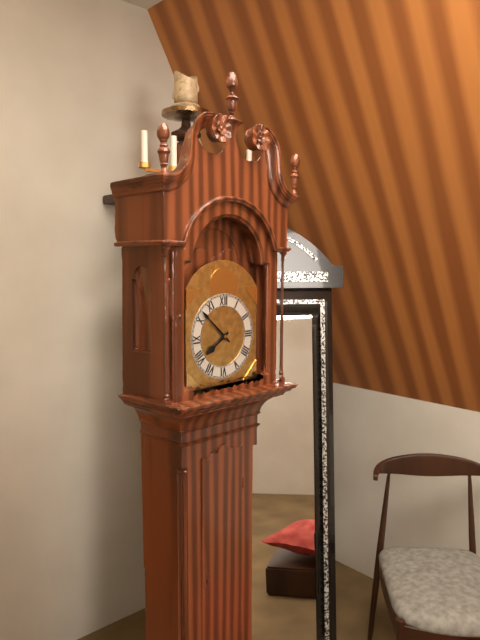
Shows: h=7 m=52
